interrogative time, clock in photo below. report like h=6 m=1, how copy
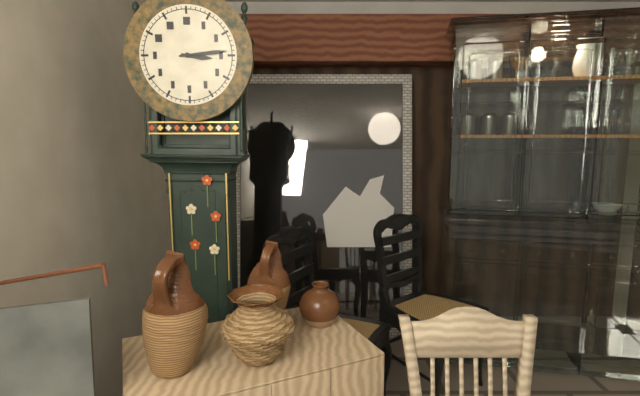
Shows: h=3 m=14
